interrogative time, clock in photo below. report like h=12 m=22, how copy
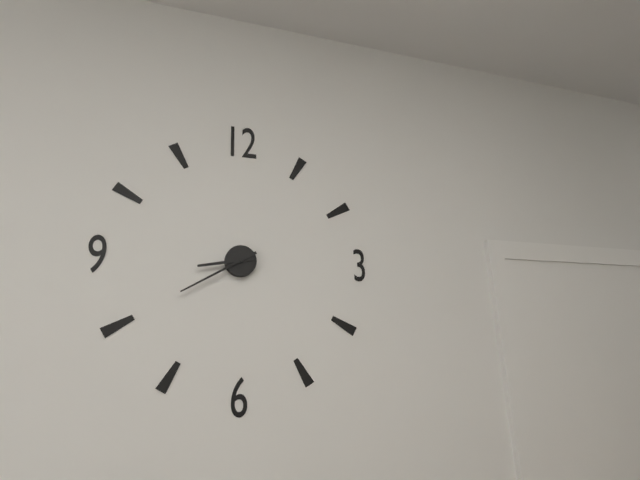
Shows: h=8 m=40
